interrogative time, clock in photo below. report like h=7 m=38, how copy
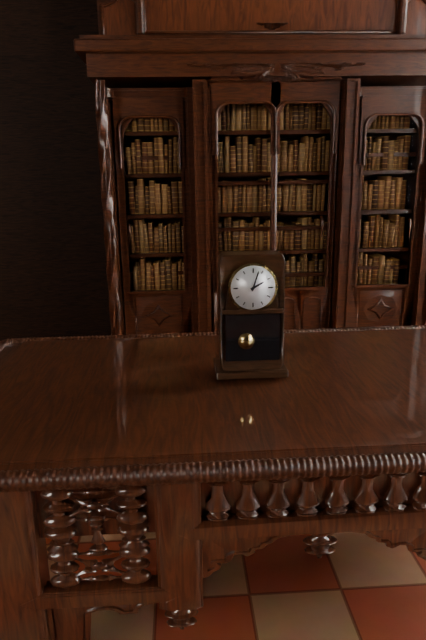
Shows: h=2 m=3
